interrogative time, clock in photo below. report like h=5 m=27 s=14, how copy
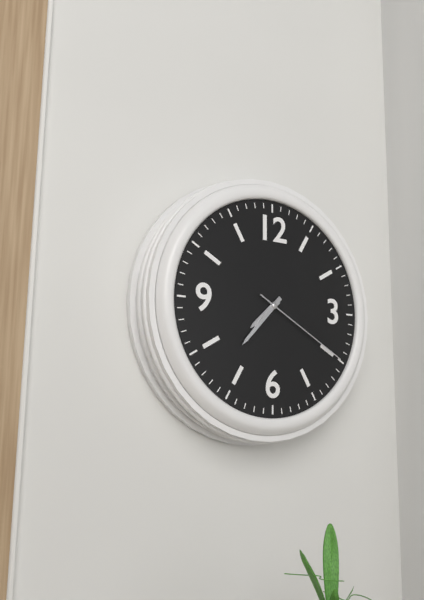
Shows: h=7 m=37 s=20
